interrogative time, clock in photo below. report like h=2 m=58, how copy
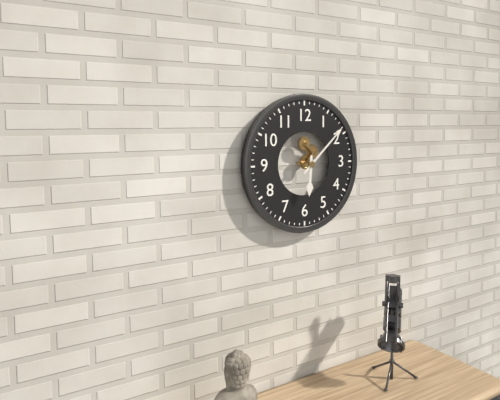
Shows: h=6 m=8
